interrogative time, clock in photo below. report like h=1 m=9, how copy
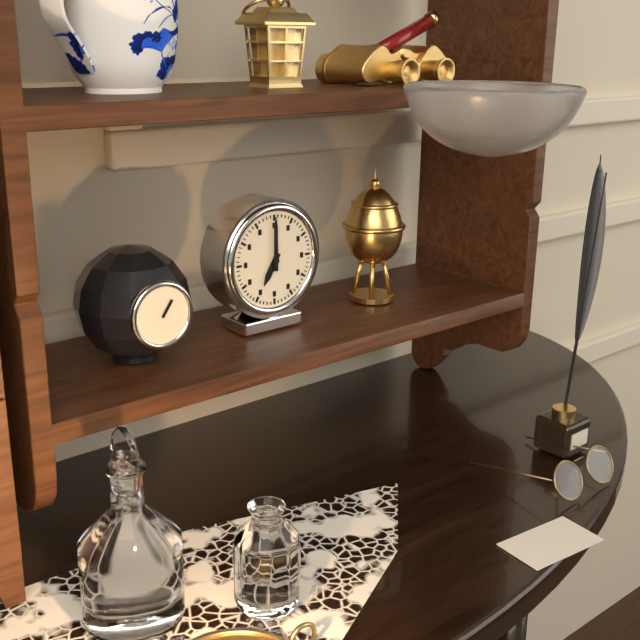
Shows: h=7 m=0
